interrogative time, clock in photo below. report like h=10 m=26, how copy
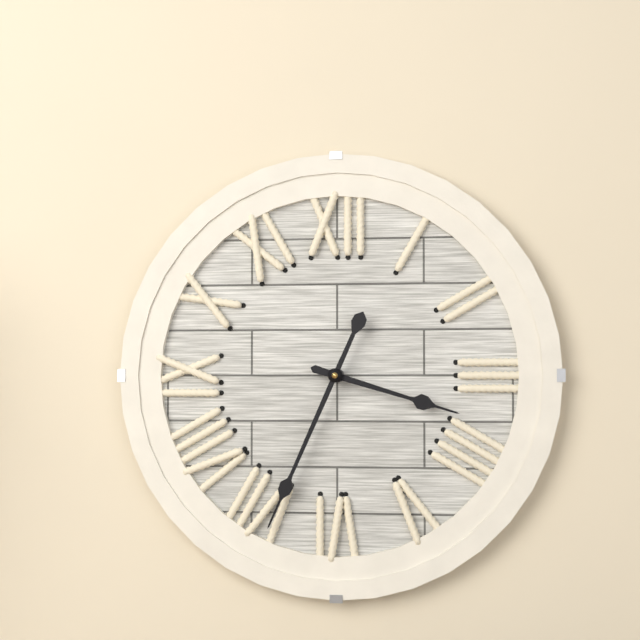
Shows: h=3 m=34
